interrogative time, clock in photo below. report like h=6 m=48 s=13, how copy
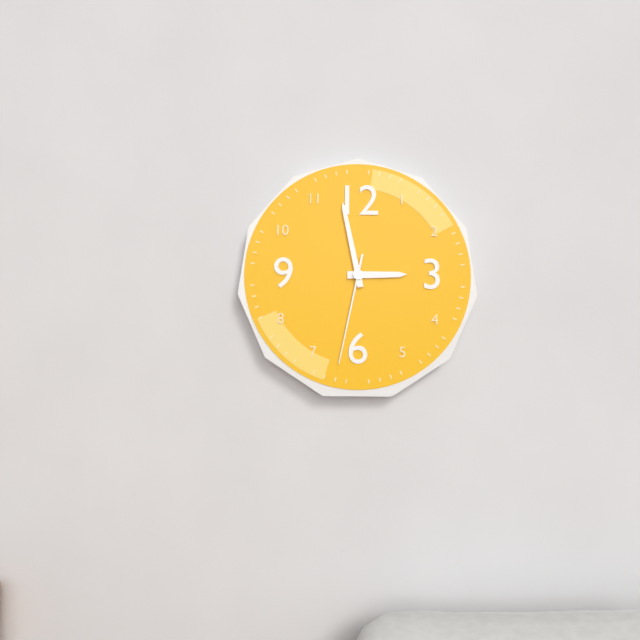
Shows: h=2 m=58 s=32
